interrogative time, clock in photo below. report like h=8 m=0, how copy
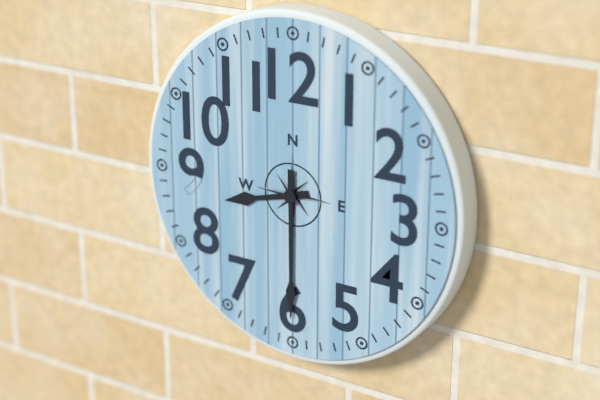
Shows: h=8 m=30
